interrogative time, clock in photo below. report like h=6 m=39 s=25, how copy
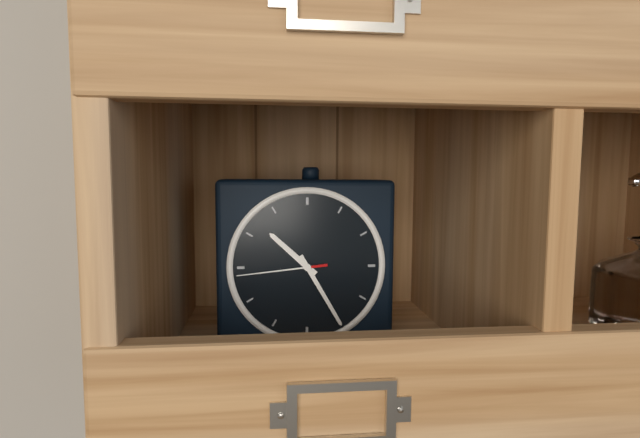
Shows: h=10 m=25 s=44
